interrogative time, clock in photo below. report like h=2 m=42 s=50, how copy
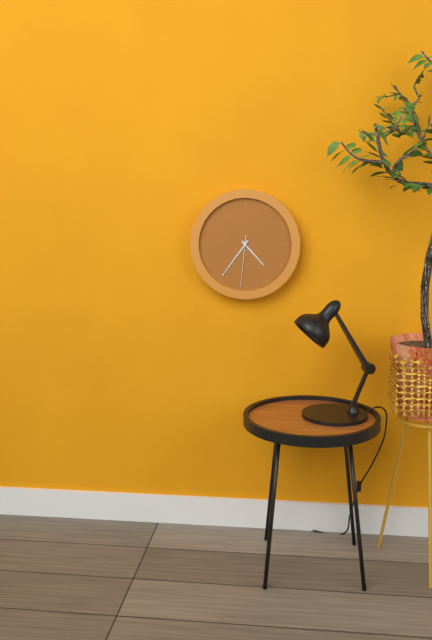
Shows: h=4 m=36 s=31
